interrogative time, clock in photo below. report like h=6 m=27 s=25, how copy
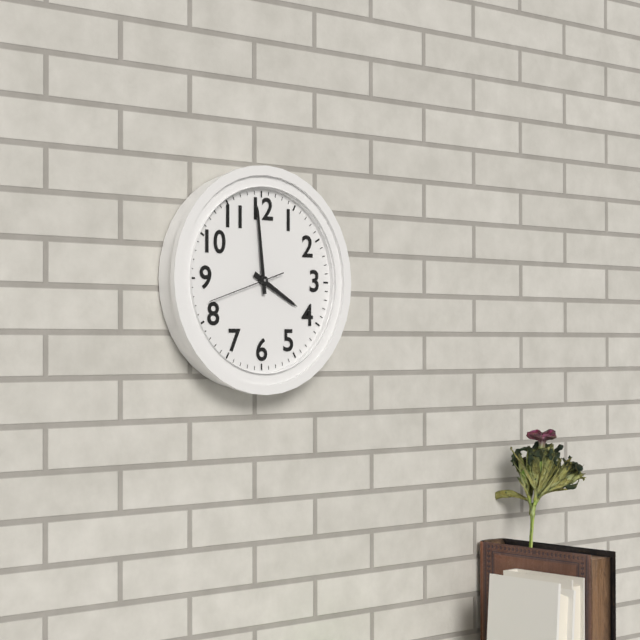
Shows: h=3 m=59 s=42
